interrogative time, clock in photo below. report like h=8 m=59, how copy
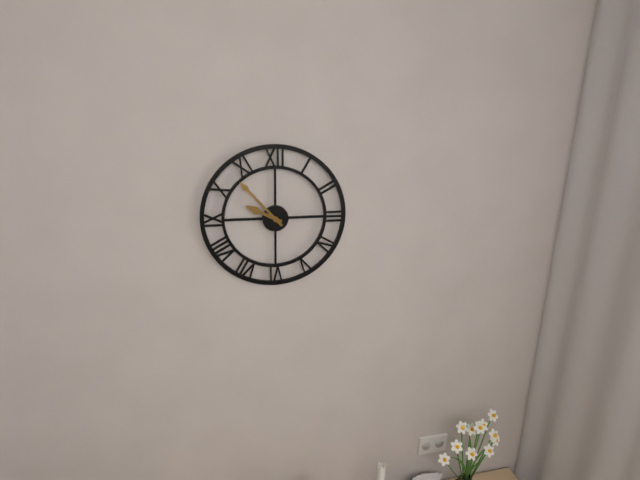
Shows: h=9 m=53
